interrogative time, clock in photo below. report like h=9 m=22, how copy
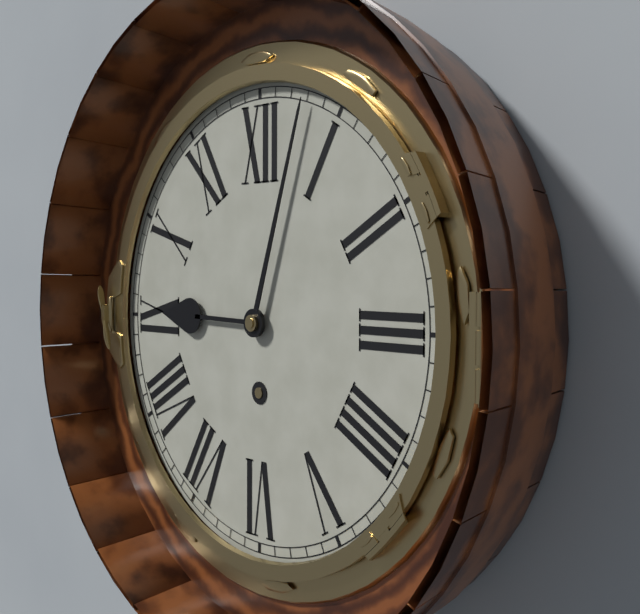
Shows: h=9 m=3
